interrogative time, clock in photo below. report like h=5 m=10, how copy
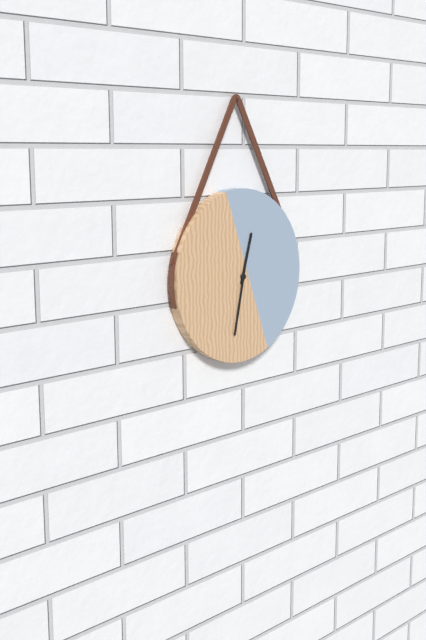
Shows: h=12 m=32
